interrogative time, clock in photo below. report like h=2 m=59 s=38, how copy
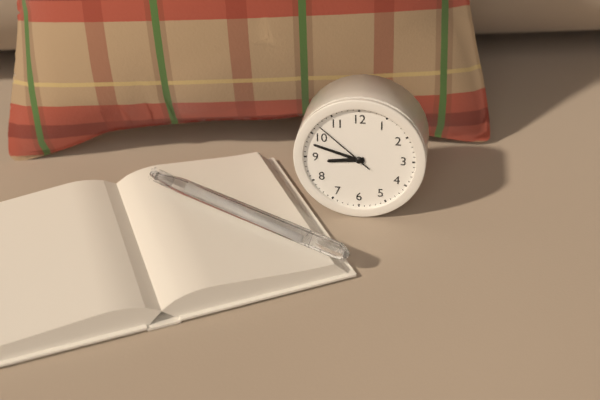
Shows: h=8 m=48 s=52
